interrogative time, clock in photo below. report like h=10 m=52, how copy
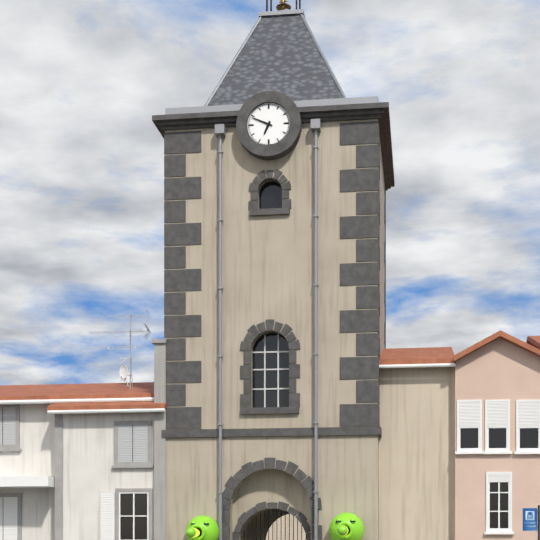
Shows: h=6 m=49
